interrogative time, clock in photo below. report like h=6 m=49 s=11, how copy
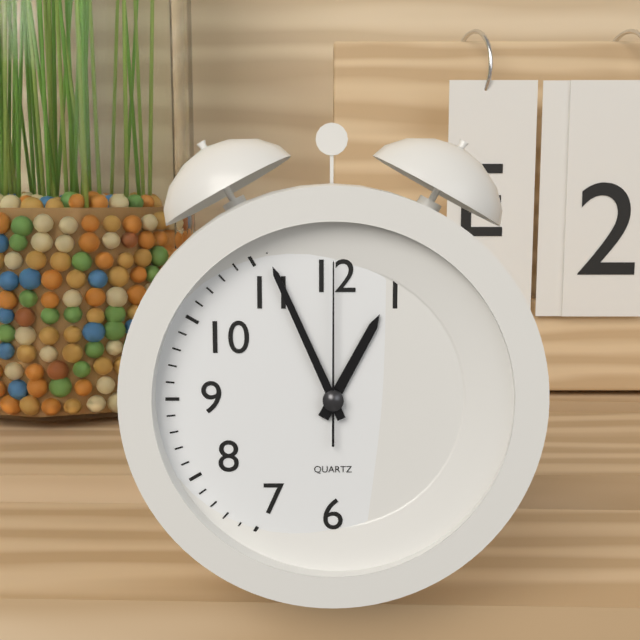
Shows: h=12 m=56 s=0
